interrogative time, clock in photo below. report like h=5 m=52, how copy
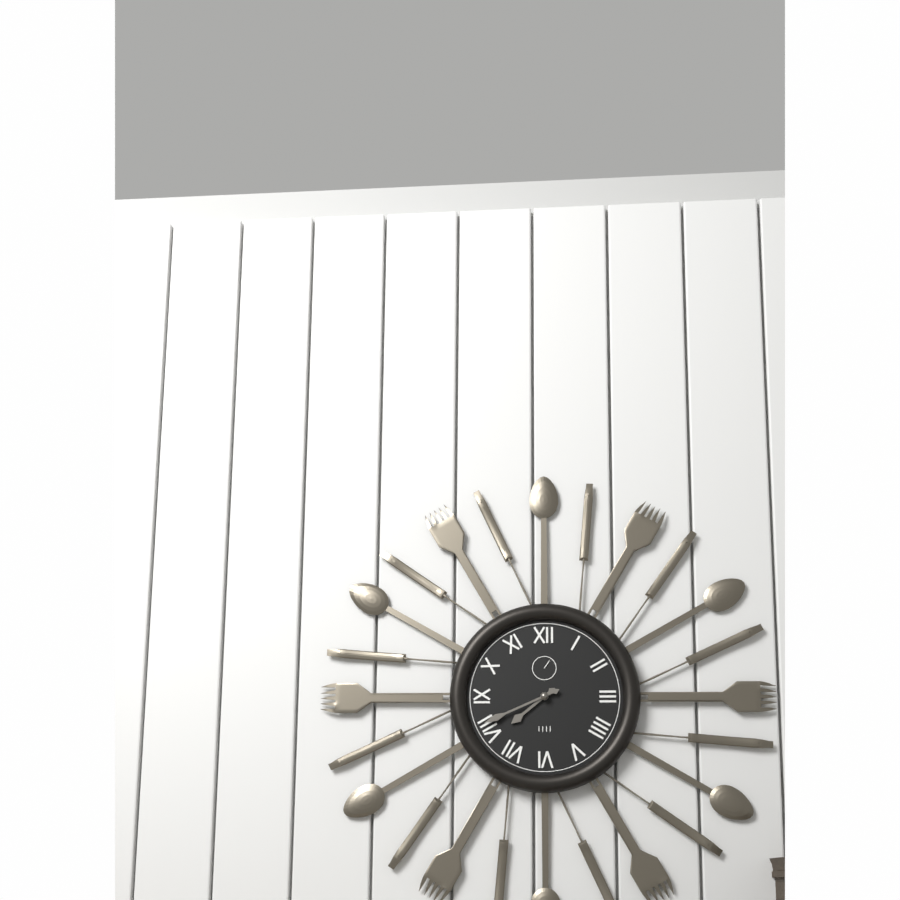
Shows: h=7 m=41
